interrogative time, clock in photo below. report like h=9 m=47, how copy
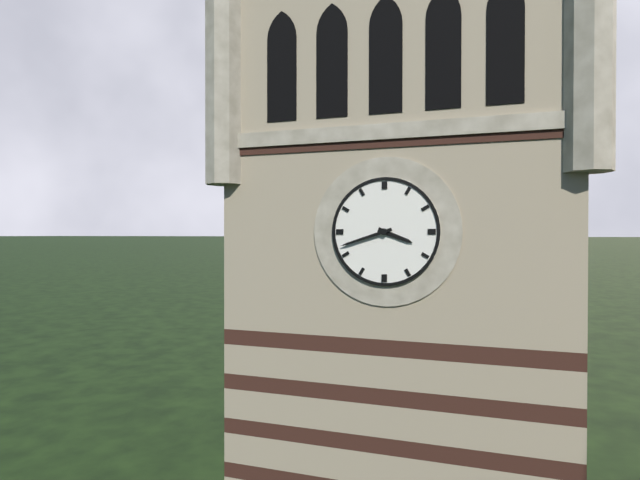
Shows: h=3 m=42
